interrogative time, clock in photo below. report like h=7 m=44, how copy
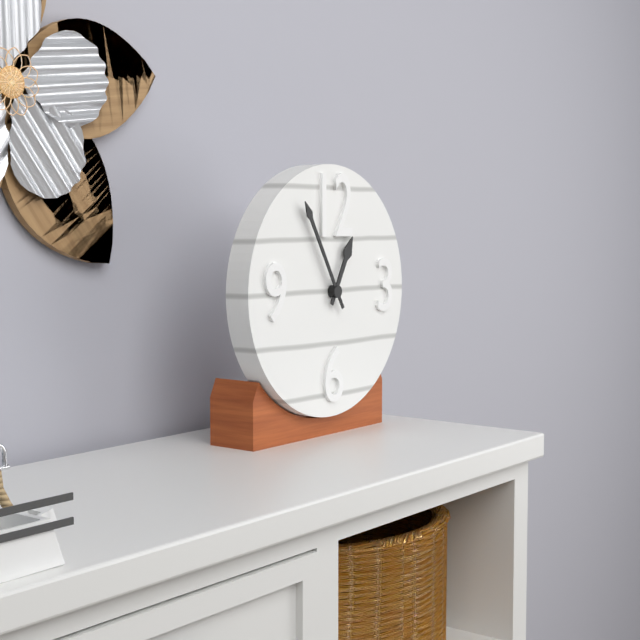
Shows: h=12 m=55
